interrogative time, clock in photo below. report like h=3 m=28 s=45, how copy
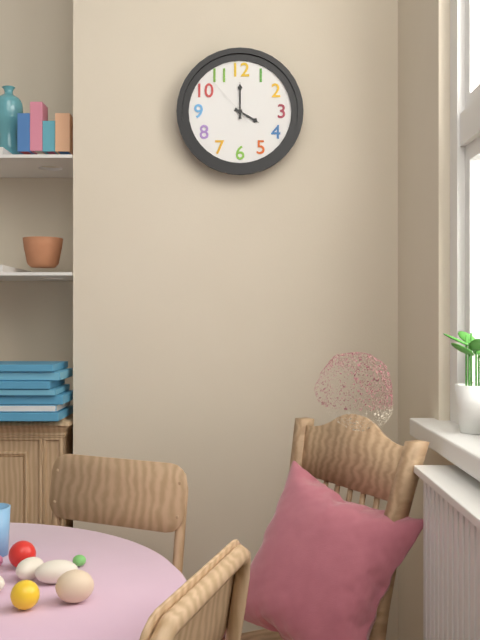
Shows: h=4 m=0 s=53
